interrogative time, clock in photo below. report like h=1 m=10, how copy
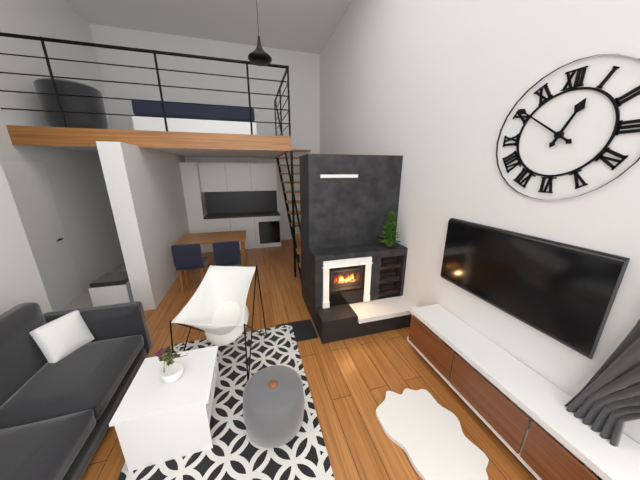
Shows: h=12 m=51
